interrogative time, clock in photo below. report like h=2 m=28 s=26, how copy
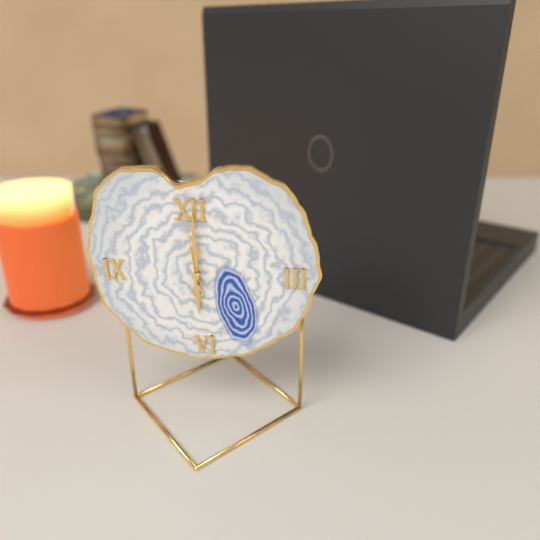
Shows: h=6 m=0 s=59
